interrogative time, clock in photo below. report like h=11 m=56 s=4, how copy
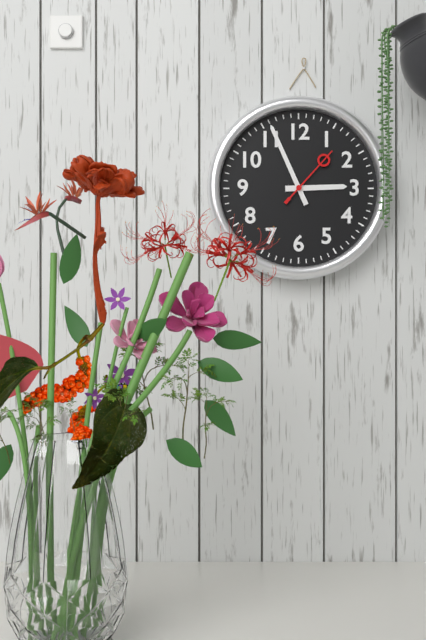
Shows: h=2 m=56 s=7
